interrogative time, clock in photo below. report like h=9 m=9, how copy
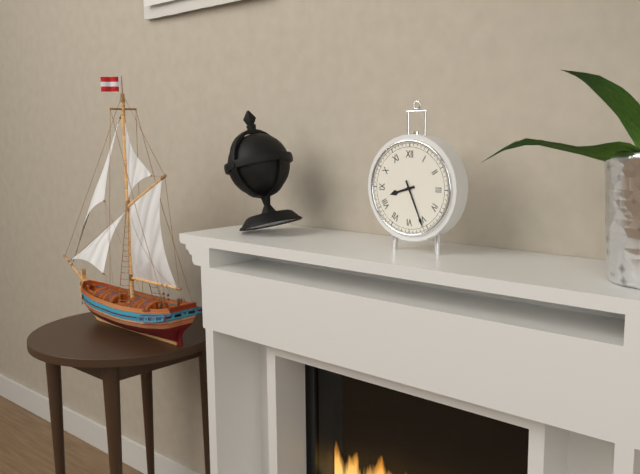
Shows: h=8 m=26
